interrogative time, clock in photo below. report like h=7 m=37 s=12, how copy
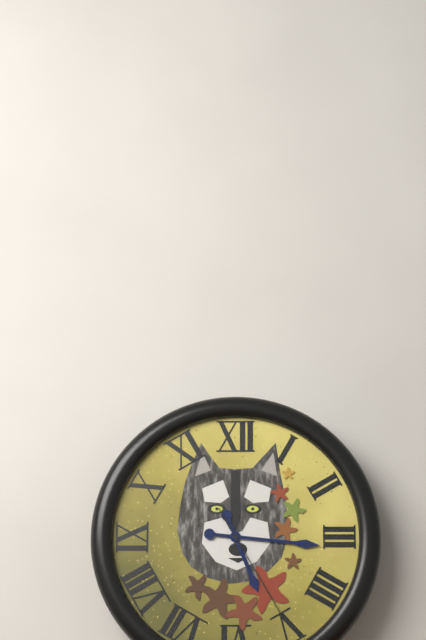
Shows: h=5 m=16 s=25
